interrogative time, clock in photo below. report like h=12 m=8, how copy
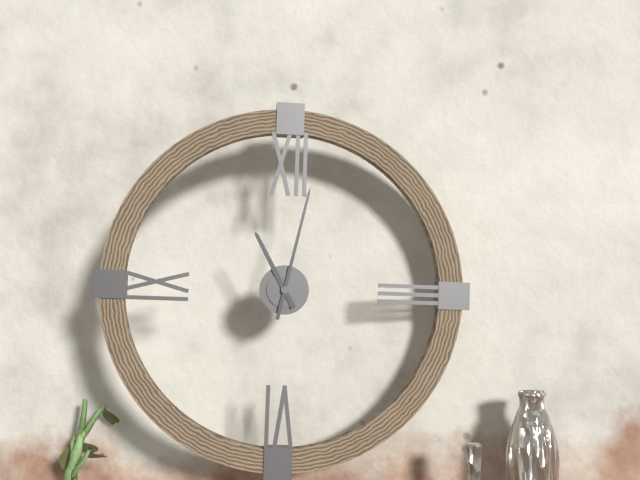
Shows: h=11 m=2
